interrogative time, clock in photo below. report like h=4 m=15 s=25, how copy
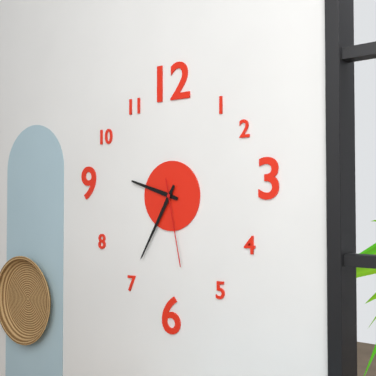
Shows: h=9 m=35 s=28
